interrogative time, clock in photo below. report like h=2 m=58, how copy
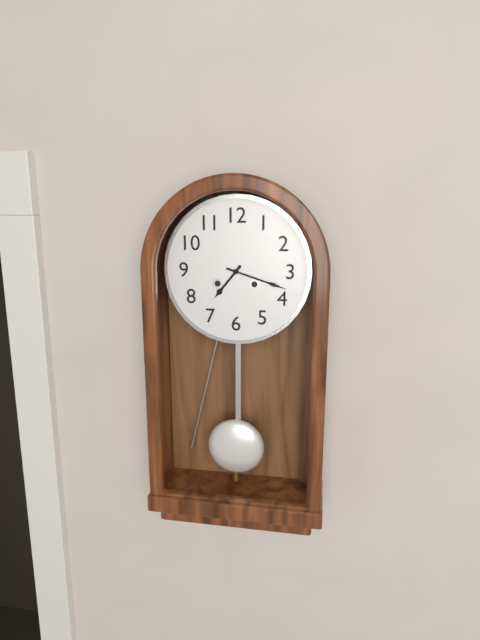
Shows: h=7 m=18
